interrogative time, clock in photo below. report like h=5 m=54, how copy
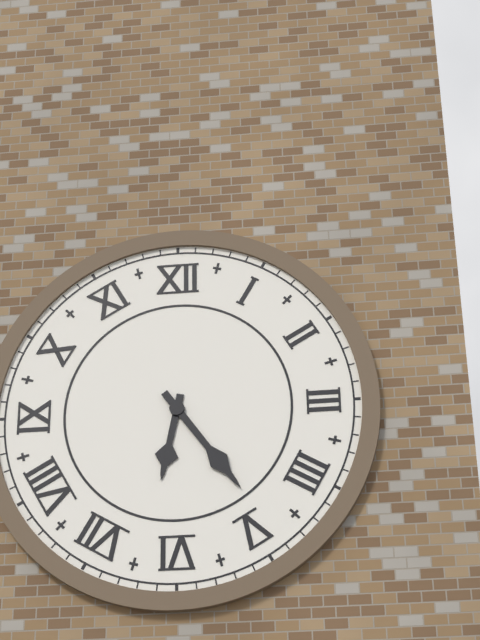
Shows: h=6 m=24
